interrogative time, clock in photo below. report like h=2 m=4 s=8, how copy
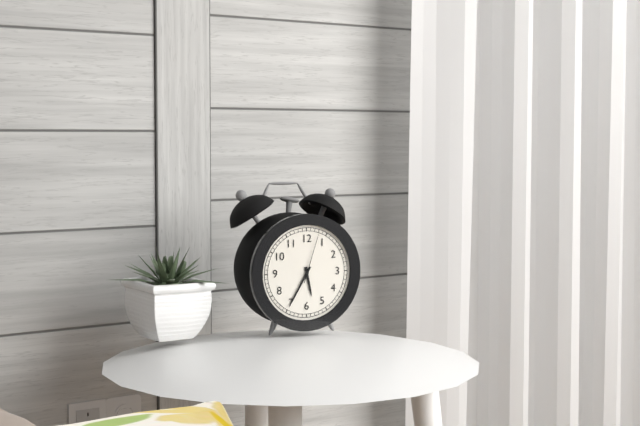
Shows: h=5 m=35 s=3
